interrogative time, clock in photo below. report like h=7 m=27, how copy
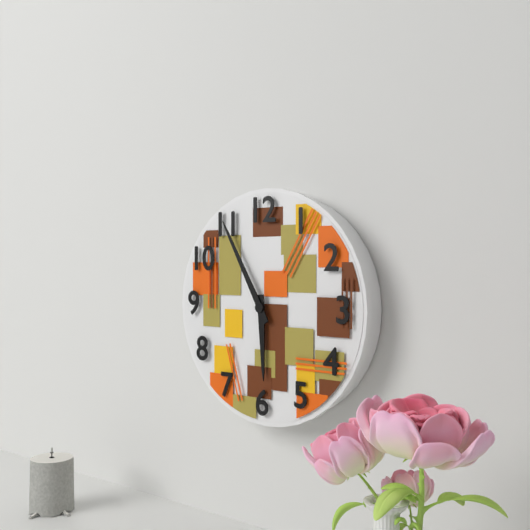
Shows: h=5 m=55
